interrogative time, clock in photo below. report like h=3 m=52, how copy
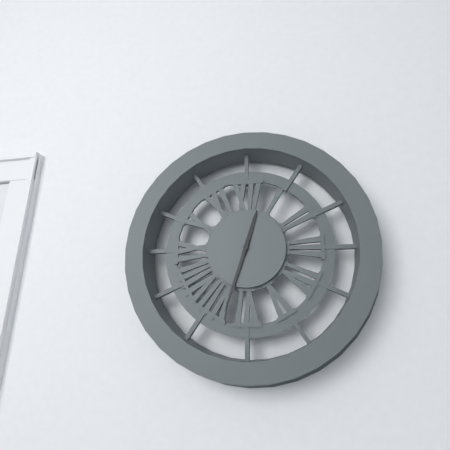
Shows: h=12 m=33
